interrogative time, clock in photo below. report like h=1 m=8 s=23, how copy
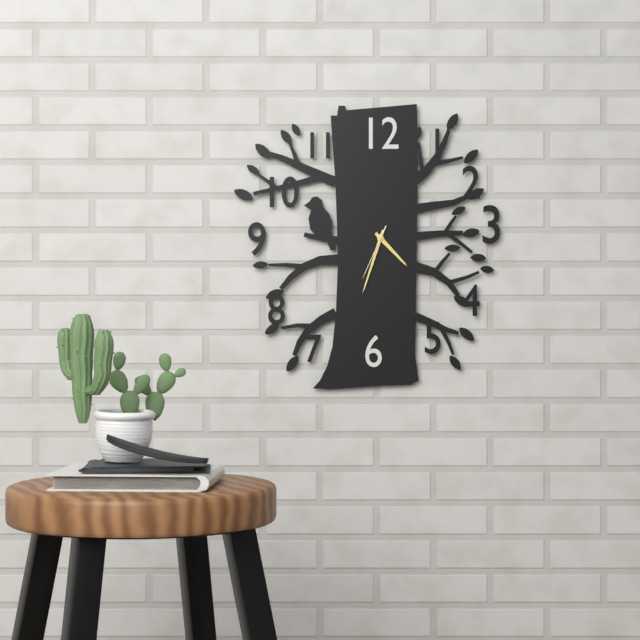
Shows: h=4 m=33 s=34
